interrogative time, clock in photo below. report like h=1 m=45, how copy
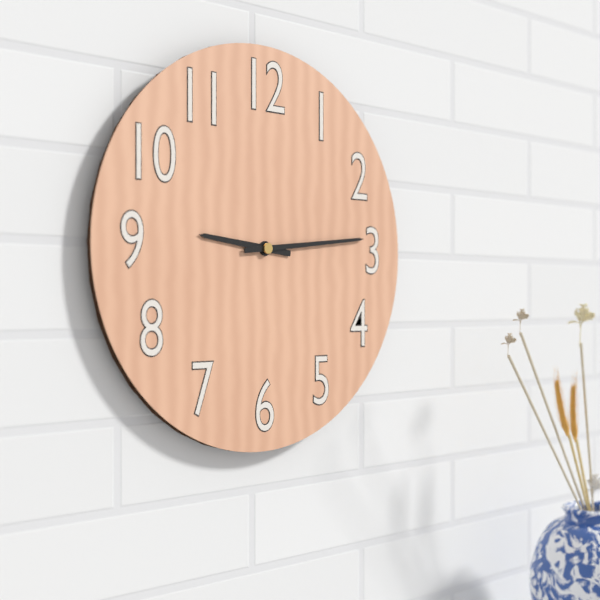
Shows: h=9 m=14
